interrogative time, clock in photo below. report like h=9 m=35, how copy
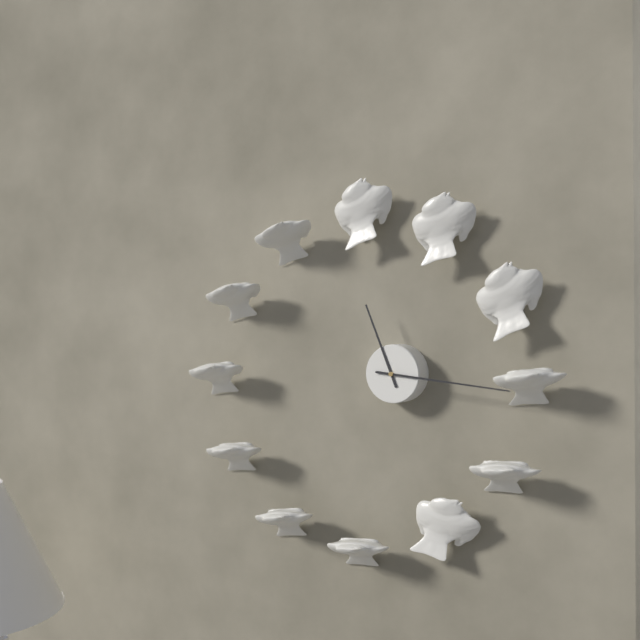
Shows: h=11 m=16
